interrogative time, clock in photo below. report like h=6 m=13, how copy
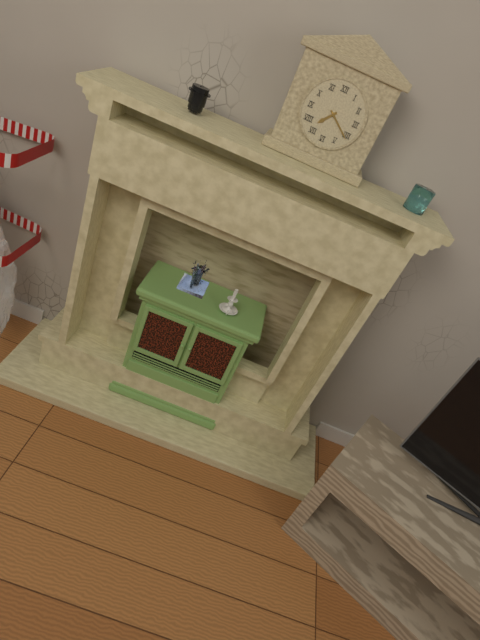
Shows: h=7 m=21
